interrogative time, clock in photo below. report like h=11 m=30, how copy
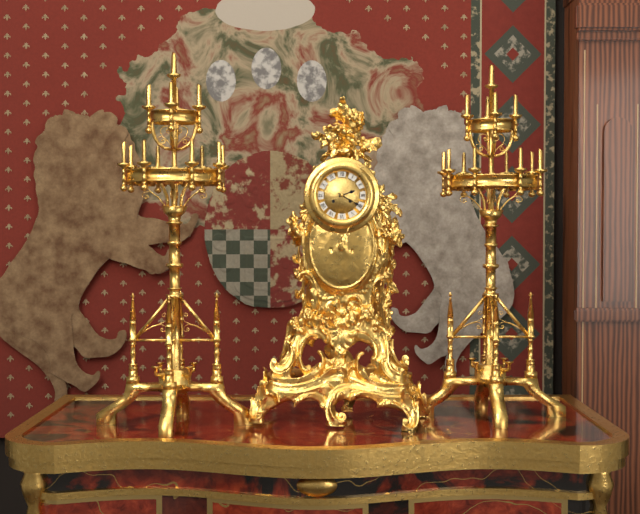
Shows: h=2 m=20
